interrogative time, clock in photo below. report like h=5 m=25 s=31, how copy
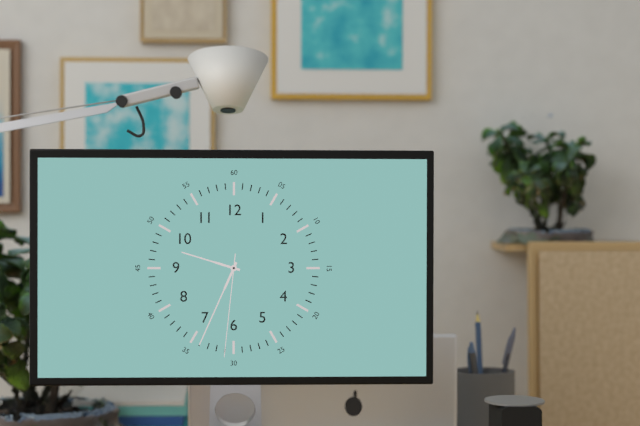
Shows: h=9 m=34 s=31
